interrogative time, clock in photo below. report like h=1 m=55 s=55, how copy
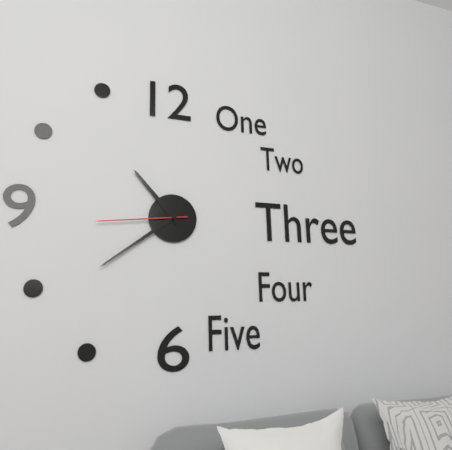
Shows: h=10 m=39 s=44
